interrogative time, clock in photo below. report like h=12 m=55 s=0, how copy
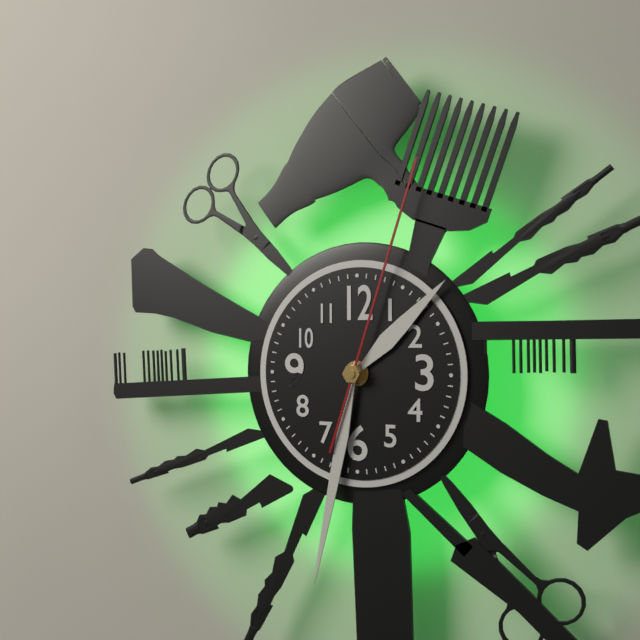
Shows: h=1 m=32 s=3
